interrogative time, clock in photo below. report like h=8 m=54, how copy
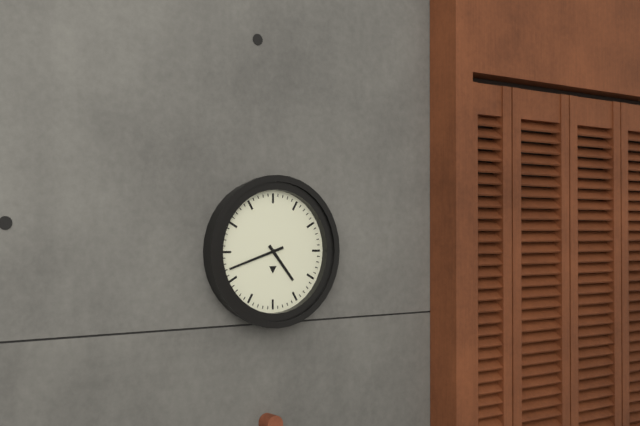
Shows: h=4 m=42
